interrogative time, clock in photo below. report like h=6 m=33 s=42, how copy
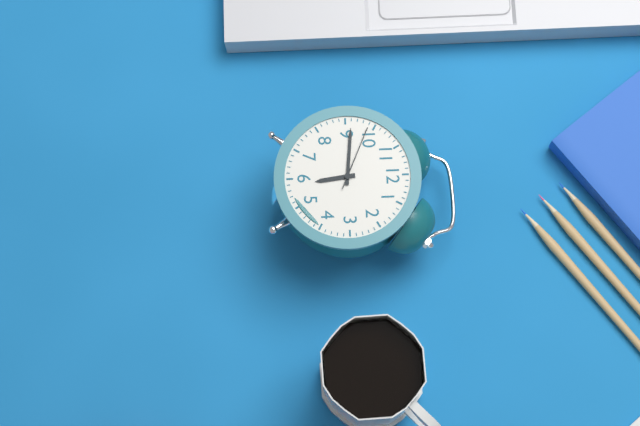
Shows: h=5 m=46 s=49
